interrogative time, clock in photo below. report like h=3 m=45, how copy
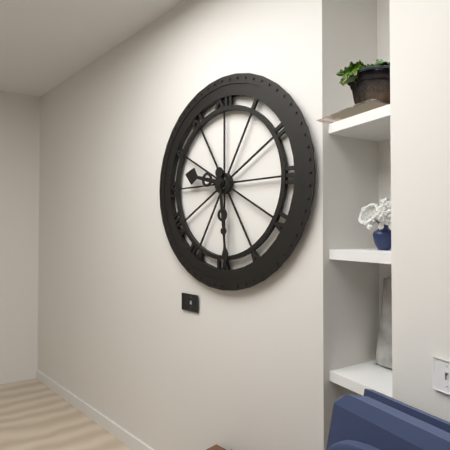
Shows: h=9 m=29
